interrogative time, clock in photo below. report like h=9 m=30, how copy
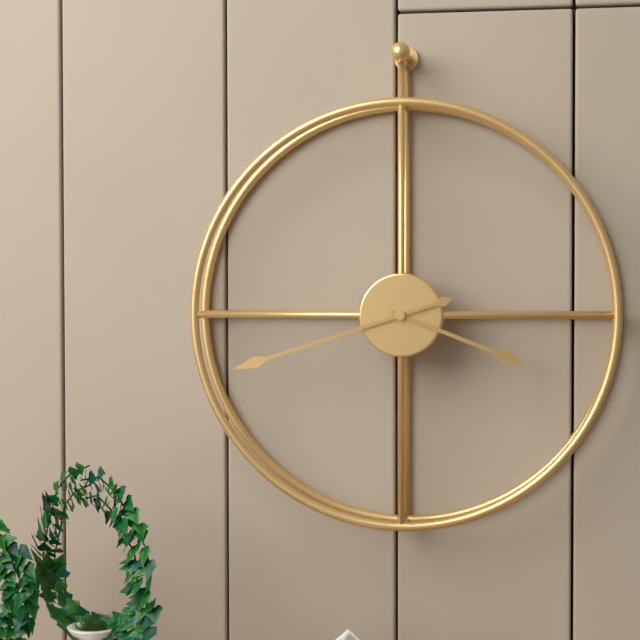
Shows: h=3 m=42
